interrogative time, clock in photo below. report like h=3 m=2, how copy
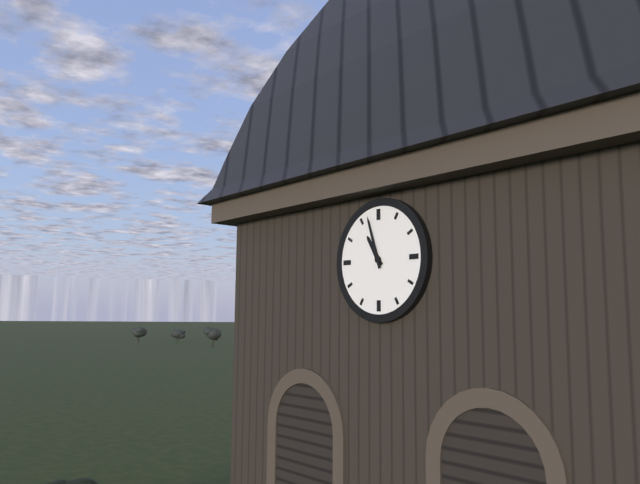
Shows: h=10 m=57
